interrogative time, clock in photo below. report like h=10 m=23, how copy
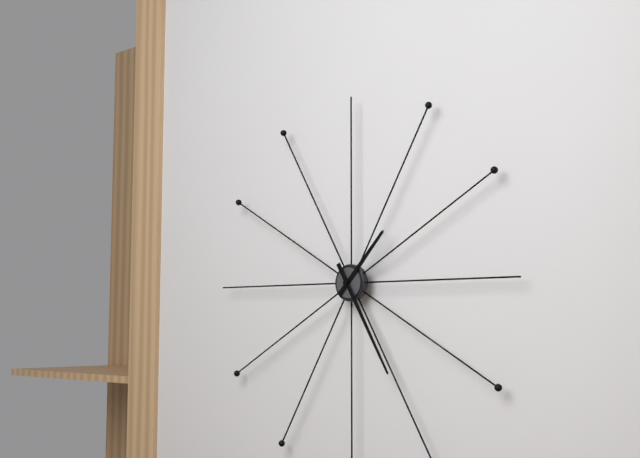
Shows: h=1 m=25
